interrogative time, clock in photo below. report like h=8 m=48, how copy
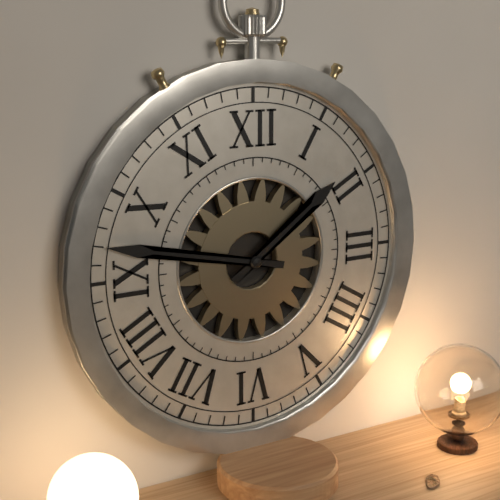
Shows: h=1 m=47
